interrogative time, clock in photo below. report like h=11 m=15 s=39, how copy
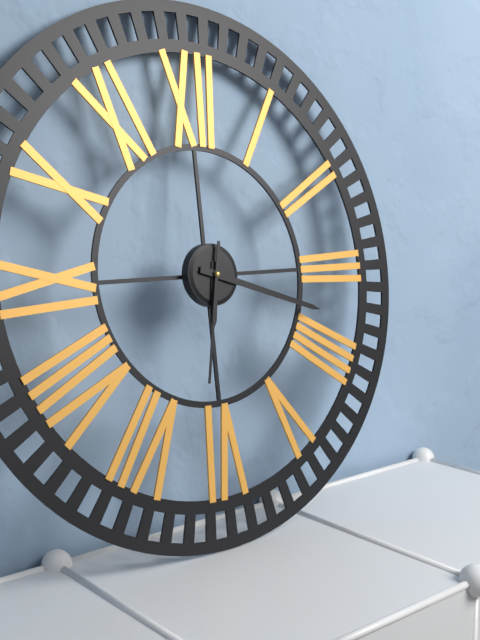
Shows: h=6 m=18 s=32
